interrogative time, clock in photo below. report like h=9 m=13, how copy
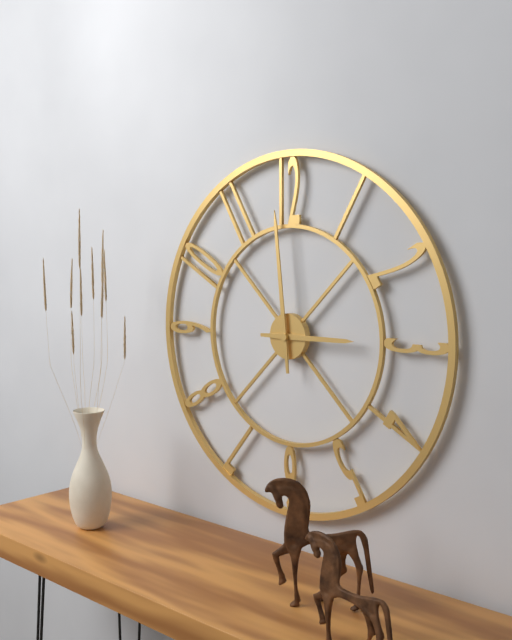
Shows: h=2 m=59
